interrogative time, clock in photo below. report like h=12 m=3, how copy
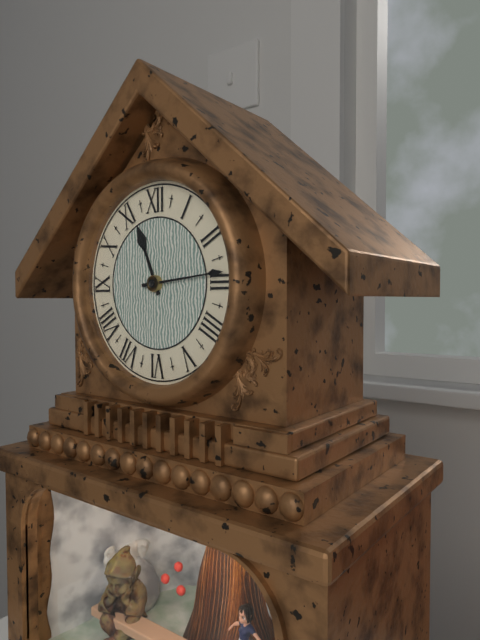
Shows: h=11 m=14
